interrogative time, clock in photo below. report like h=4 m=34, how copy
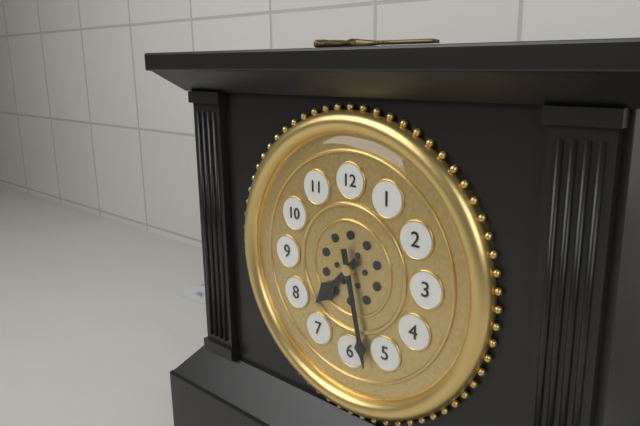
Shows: h=7 m=28
